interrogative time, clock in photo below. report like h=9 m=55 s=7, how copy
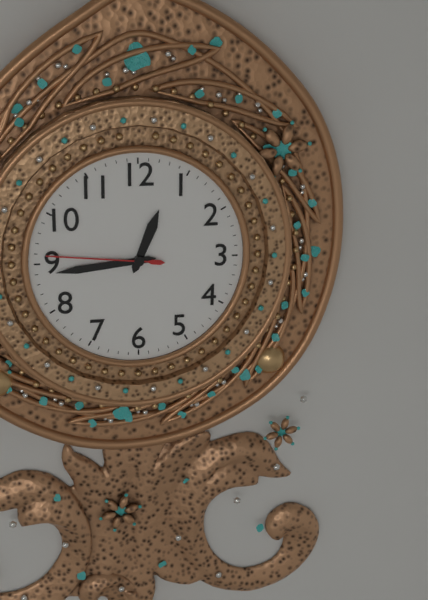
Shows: h=12 m=44 s=46
